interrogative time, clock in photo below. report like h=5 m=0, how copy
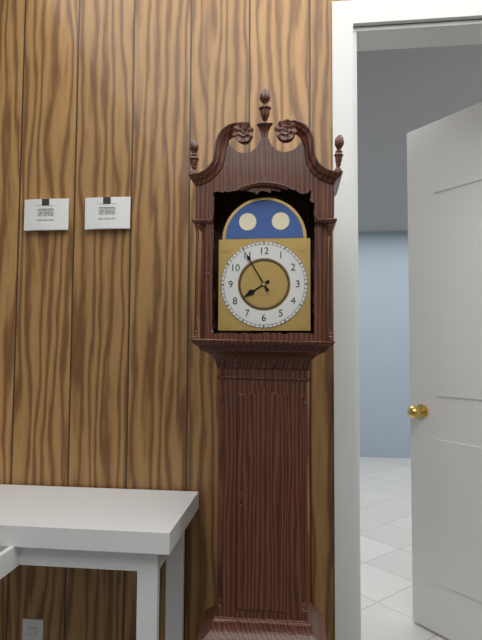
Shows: h=7 m=55
